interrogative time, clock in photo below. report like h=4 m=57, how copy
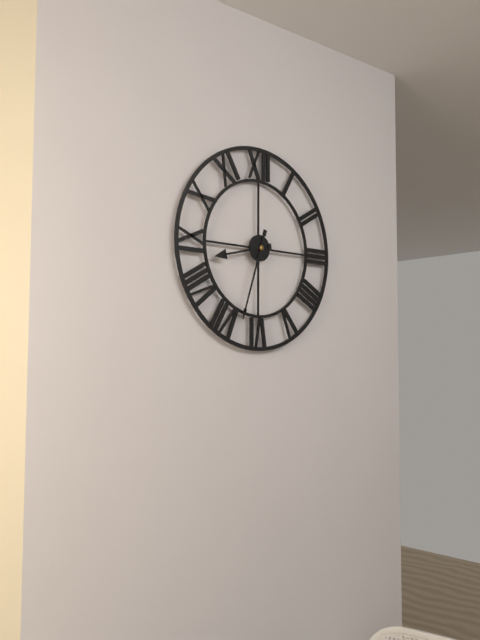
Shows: h=8 m=33
